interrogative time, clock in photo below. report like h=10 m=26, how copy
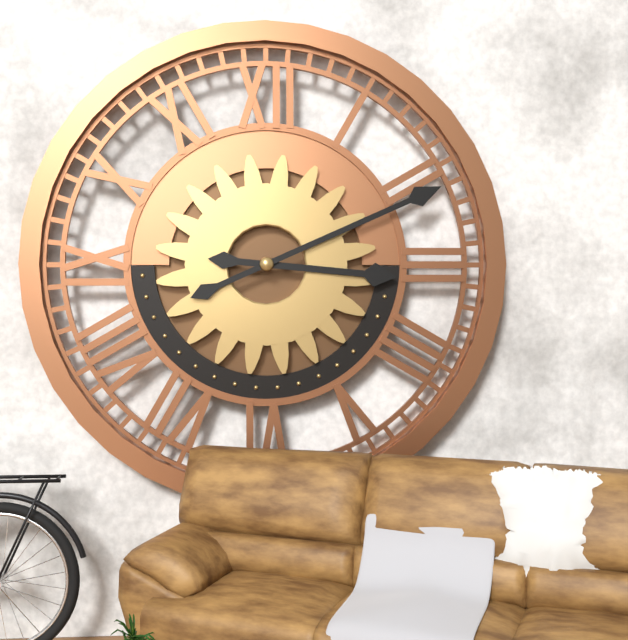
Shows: h=3 m=11
